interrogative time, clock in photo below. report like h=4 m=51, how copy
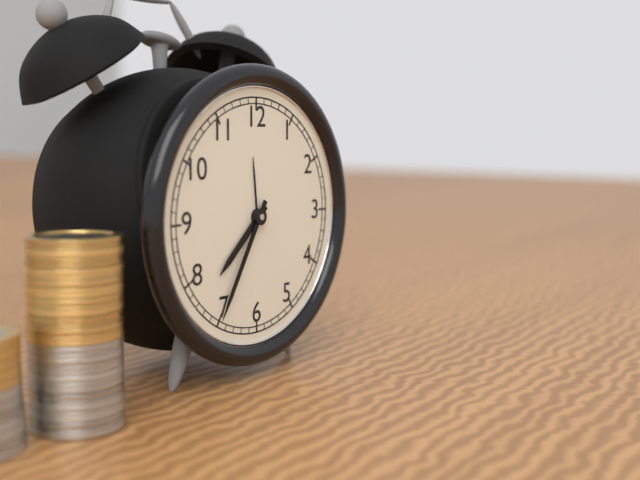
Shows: h=7 m=35
